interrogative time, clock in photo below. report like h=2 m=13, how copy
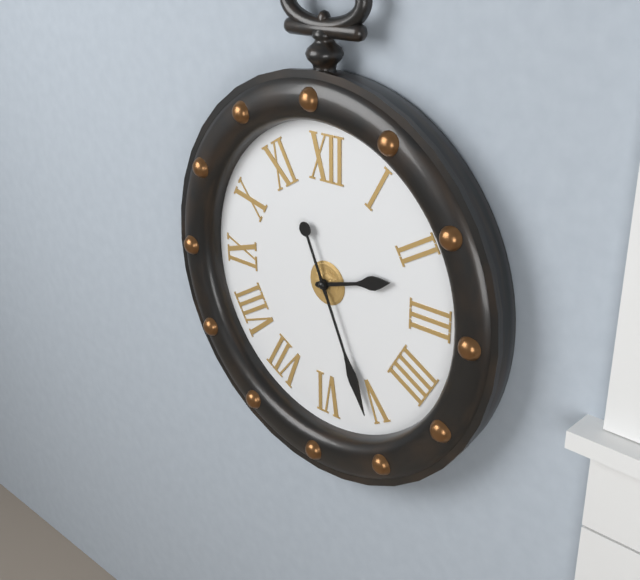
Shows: h=2 m=26
